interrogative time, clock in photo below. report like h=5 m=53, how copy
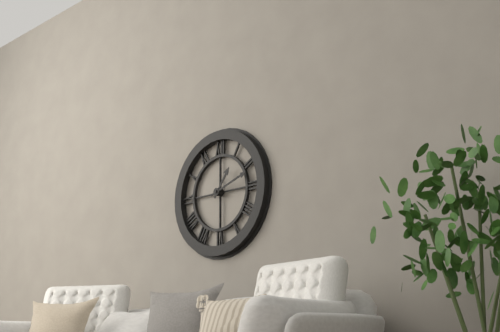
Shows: h=1 m=12
